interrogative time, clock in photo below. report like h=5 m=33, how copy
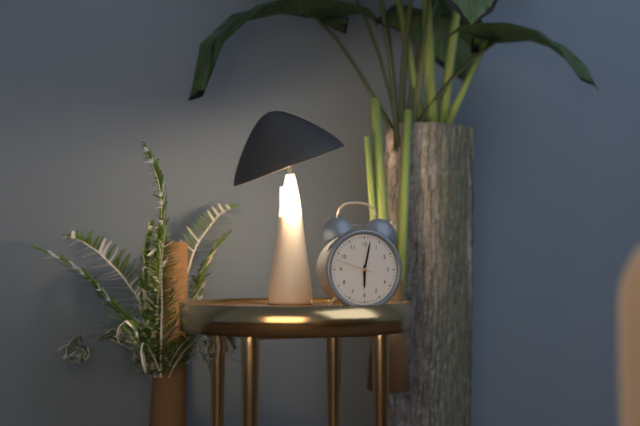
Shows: h=6 m=2
